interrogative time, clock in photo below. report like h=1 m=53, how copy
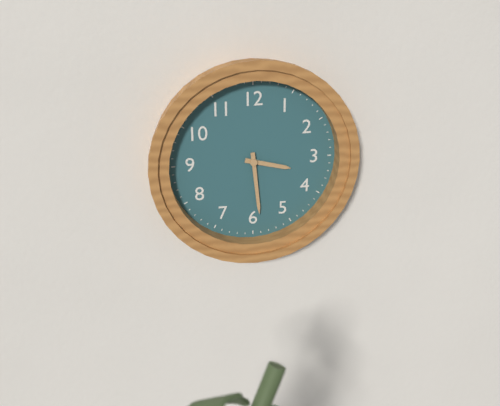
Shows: h=3 m=29
